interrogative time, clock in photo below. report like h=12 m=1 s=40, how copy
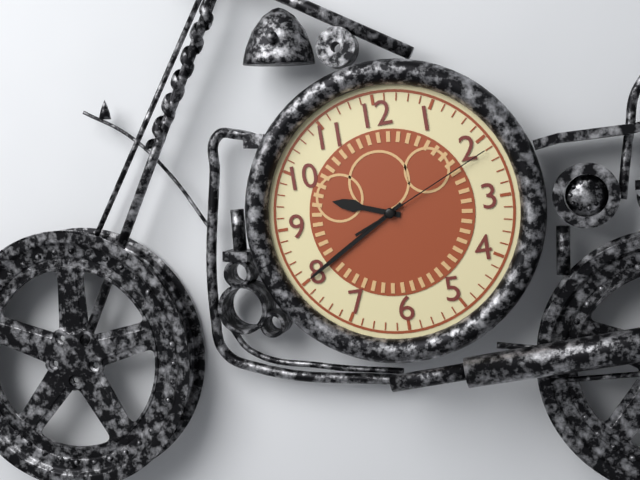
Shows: h=9 m=40 s=11
